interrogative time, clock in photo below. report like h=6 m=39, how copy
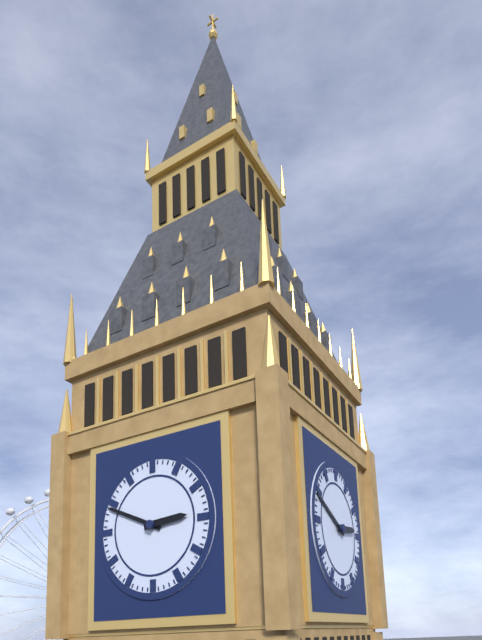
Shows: h=2 m=49
